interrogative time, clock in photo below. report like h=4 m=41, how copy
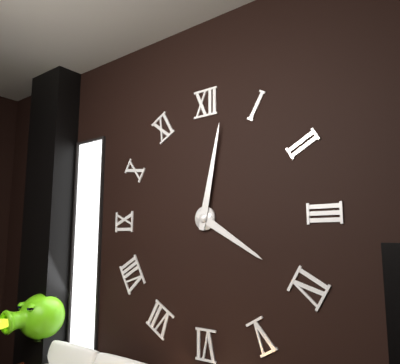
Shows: h=4 m=2
